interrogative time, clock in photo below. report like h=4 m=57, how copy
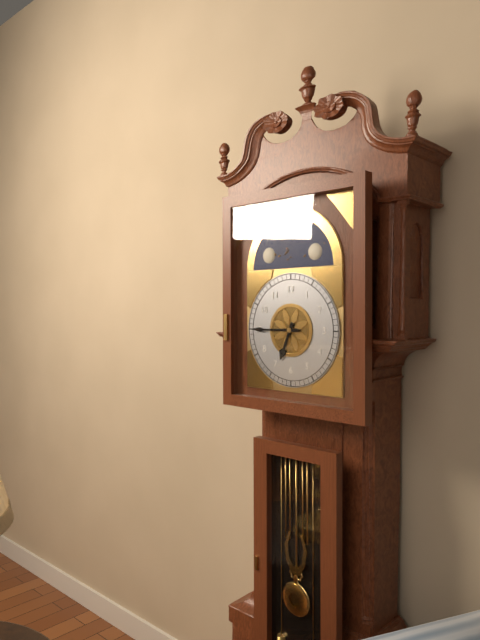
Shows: h=6 m=45
